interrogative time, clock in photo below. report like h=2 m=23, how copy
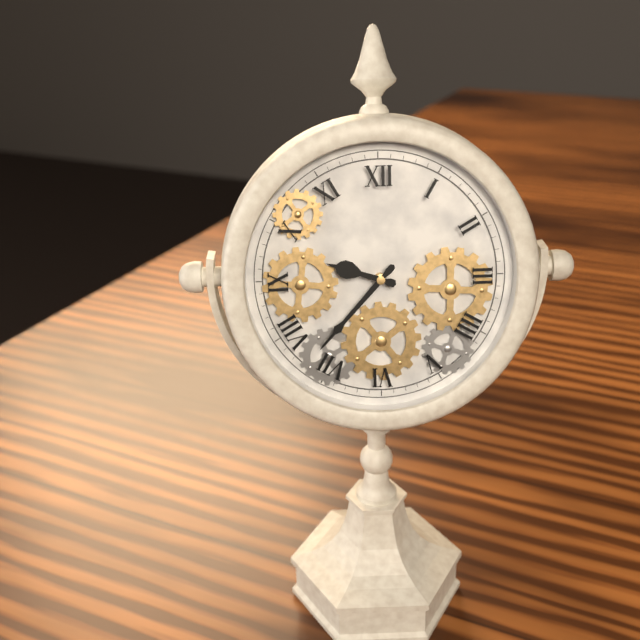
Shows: h=9 m=37
